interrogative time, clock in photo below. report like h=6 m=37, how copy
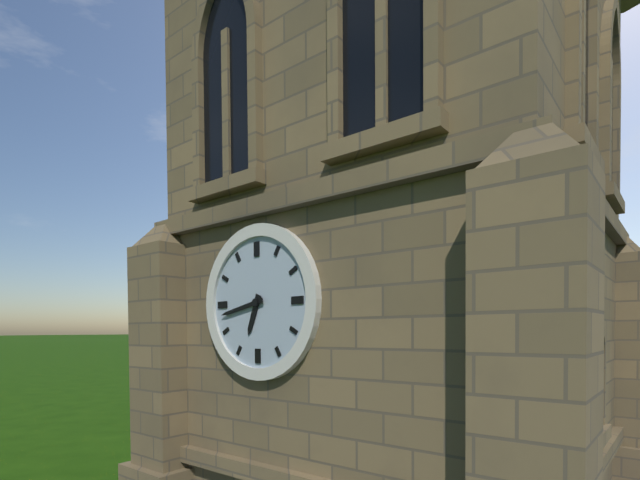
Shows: h=6 m=43
